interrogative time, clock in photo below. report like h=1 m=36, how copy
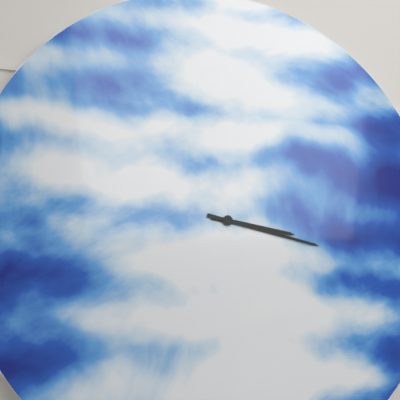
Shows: h=3 m=17
